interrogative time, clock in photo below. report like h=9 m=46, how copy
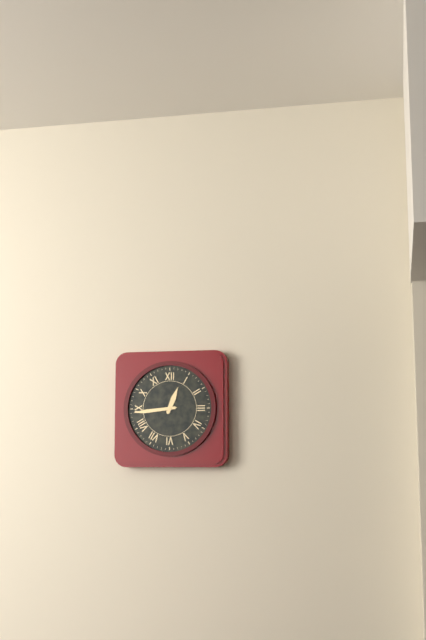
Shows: h=12 m=44
